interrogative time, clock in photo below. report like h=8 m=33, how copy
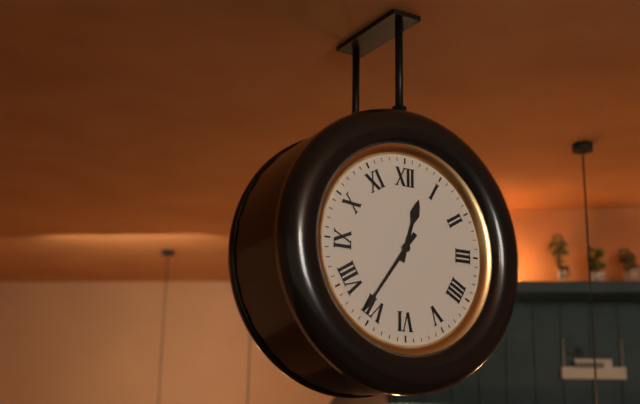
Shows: h=12 m=36
